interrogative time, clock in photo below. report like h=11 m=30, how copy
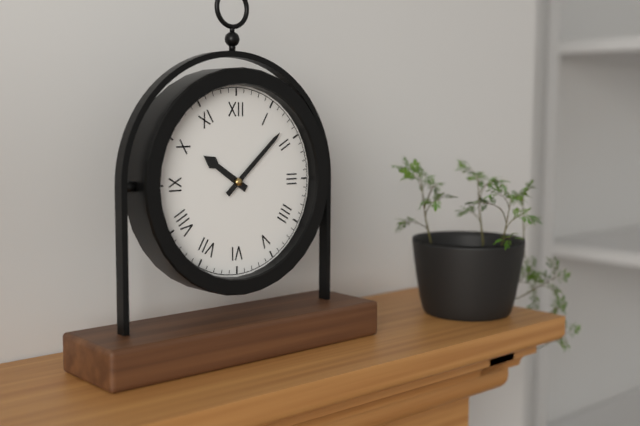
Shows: h=10 m=8
